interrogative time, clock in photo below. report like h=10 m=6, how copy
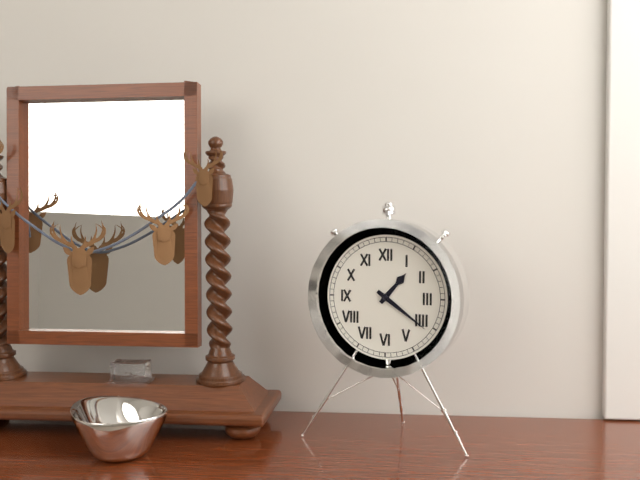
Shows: h=1 m=21
